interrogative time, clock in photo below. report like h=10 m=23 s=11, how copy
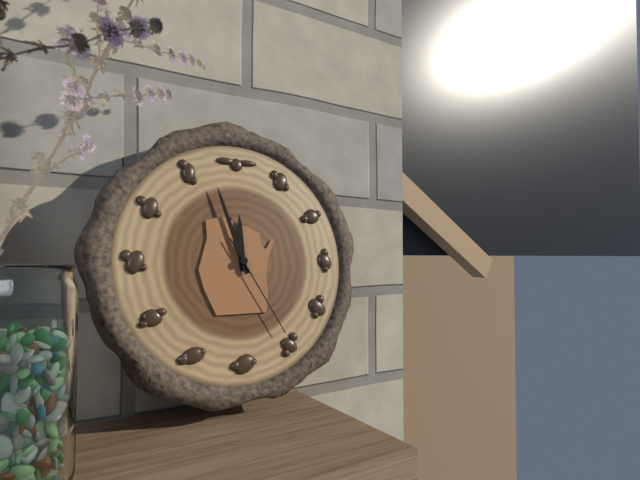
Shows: h=11 m=57 s=25
